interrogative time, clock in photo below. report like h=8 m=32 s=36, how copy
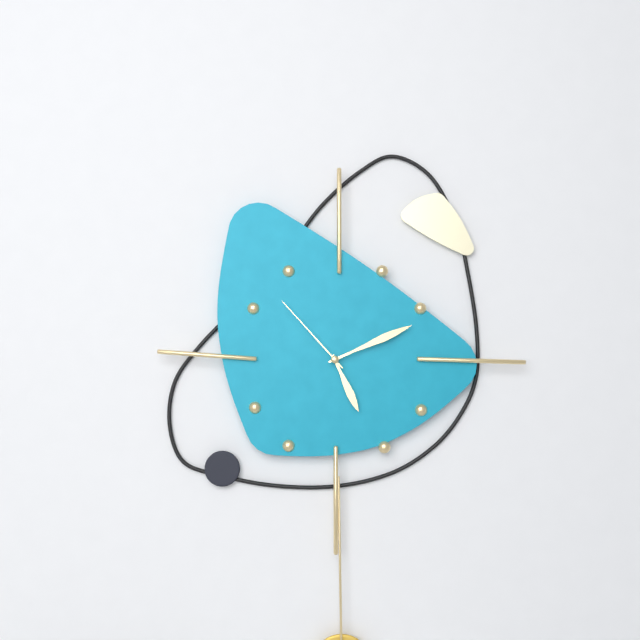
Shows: h=5 m=11 s=53
